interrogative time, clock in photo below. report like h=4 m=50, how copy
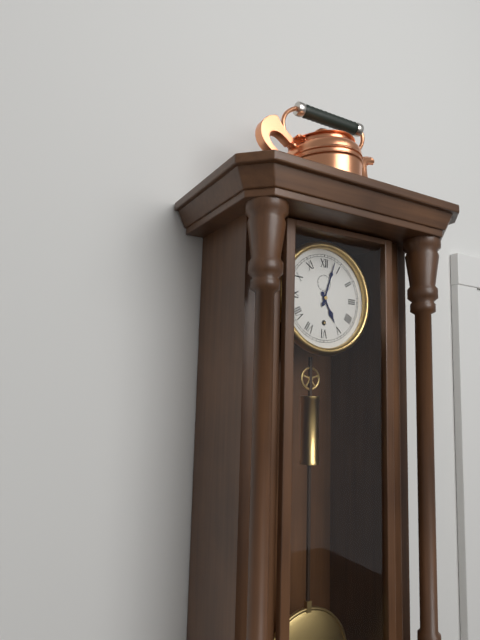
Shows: h=5 m=3
